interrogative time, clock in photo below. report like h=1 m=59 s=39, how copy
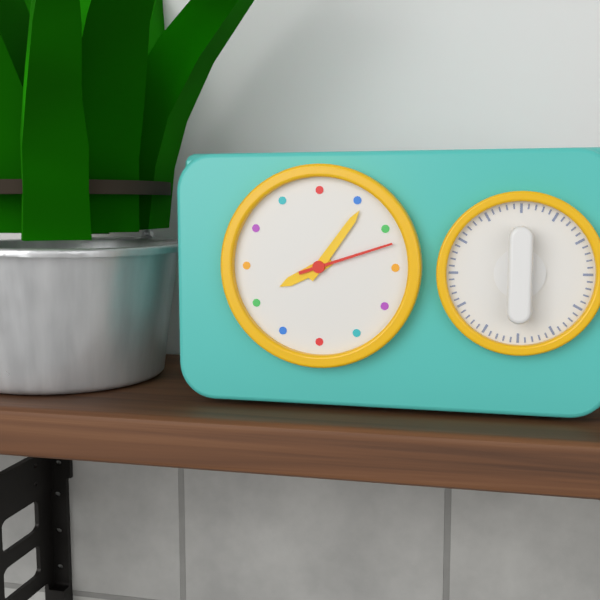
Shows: h=8 m=6 s=12
